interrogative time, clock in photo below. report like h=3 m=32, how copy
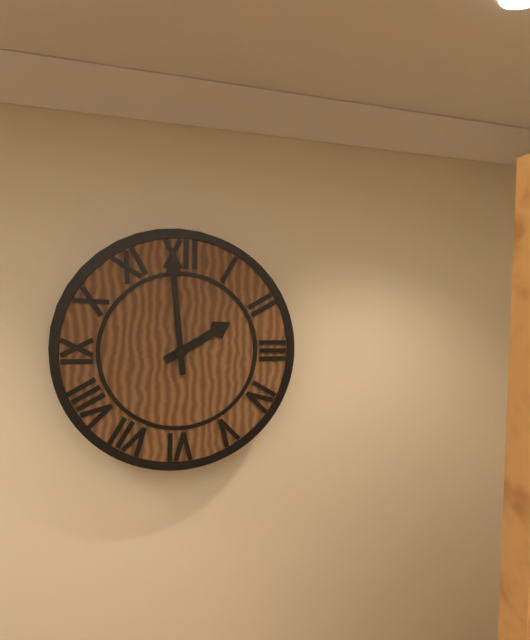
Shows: h=1 m=59
